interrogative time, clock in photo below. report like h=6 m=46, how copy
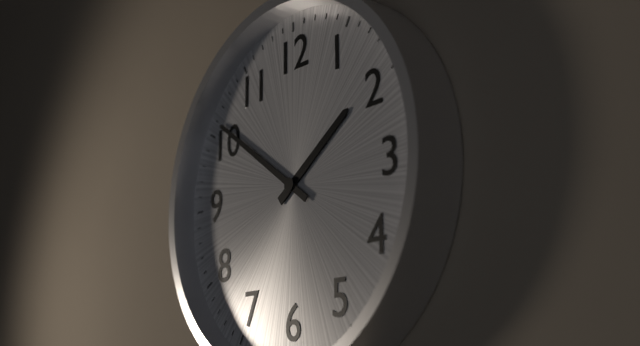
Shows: h=1 m=51
